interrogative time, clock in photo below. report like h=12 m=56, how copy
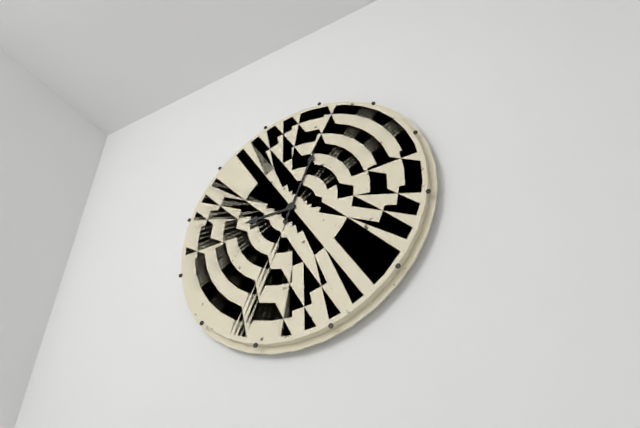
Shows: h=9 m=4
